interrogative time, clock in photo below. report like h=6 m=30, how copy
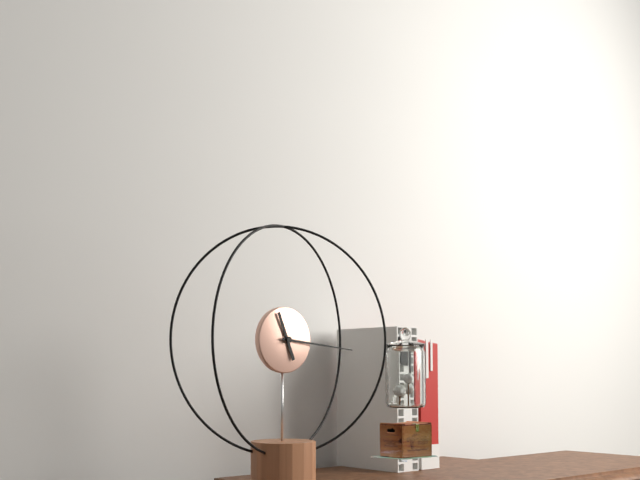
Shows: h=11 m=16
